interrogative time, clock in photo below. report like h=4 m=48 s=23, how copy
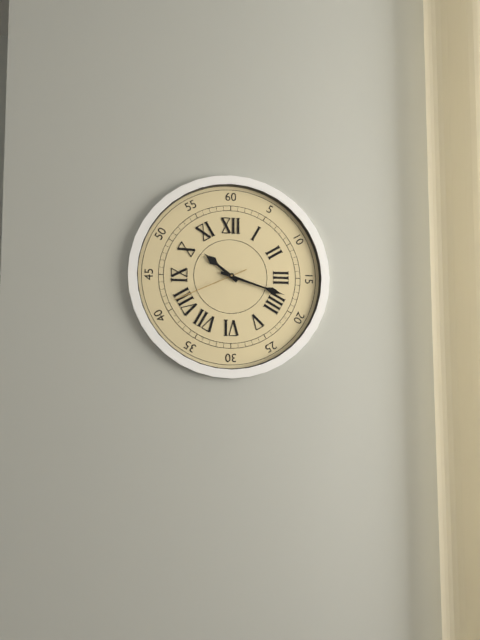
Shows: h=10 m=18 s=41
